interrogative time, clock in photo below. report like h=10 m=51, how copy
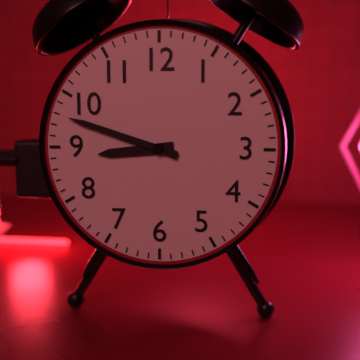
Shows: h=8 m=48
